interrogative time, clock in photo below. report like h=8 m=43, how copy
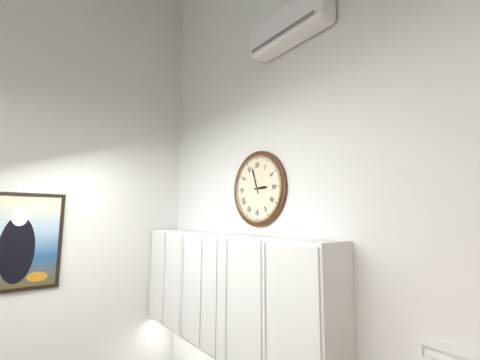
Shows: h=2 m=57
